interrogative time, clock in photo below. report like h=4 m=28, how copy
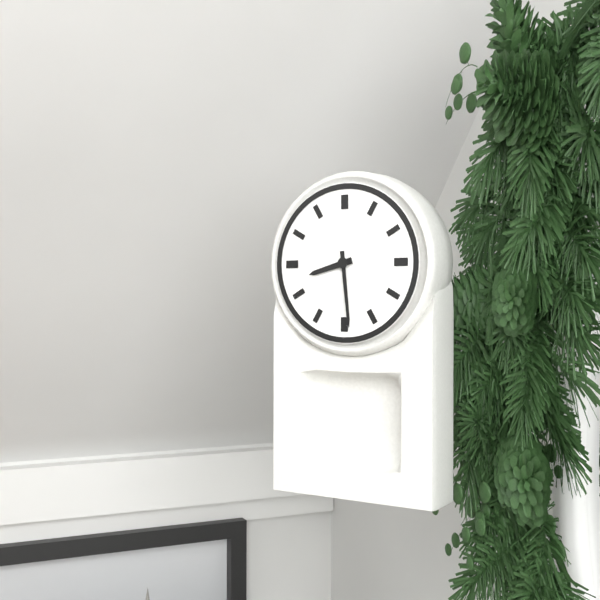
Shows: h=8 m=29
